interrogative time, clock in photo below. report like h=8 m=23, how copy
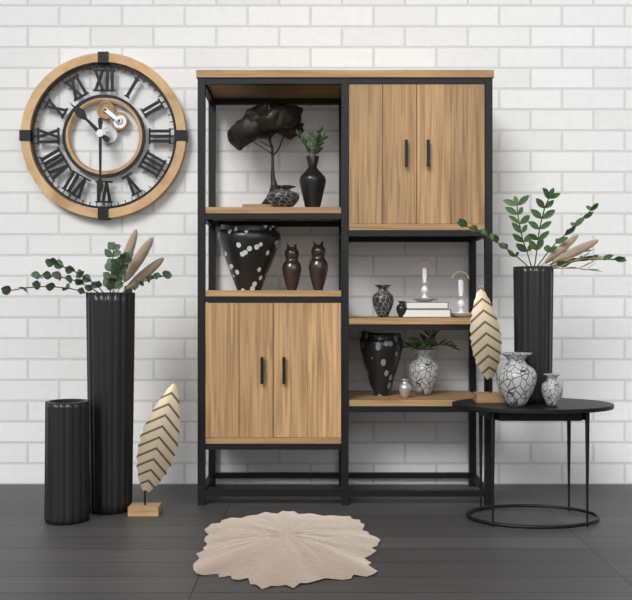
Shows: h=10 m=30
